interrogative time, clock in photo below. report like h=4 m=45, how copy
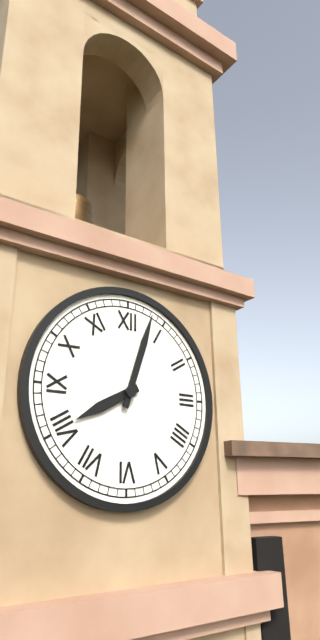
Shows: h=8 m=3
